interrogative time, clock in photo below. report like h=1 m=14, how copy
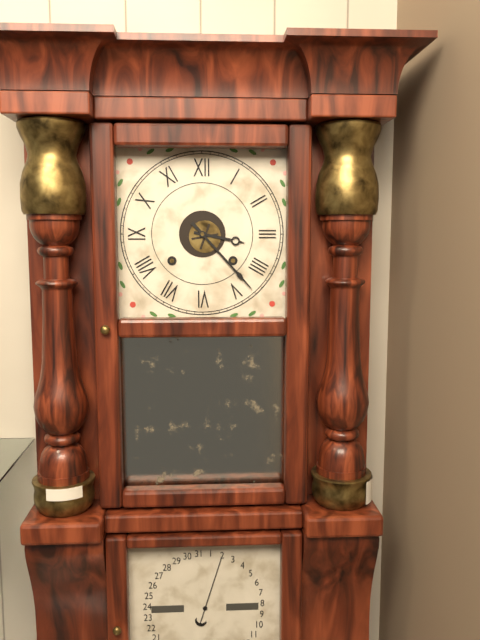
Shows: h=3 m=23
